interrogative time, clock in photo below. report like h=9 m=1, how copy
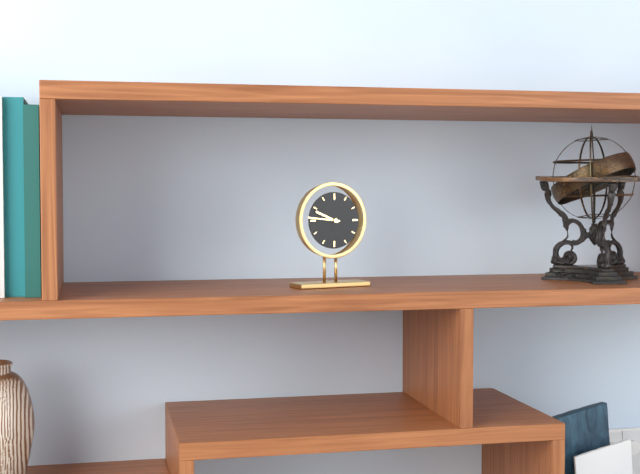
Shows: h=9 m=46
